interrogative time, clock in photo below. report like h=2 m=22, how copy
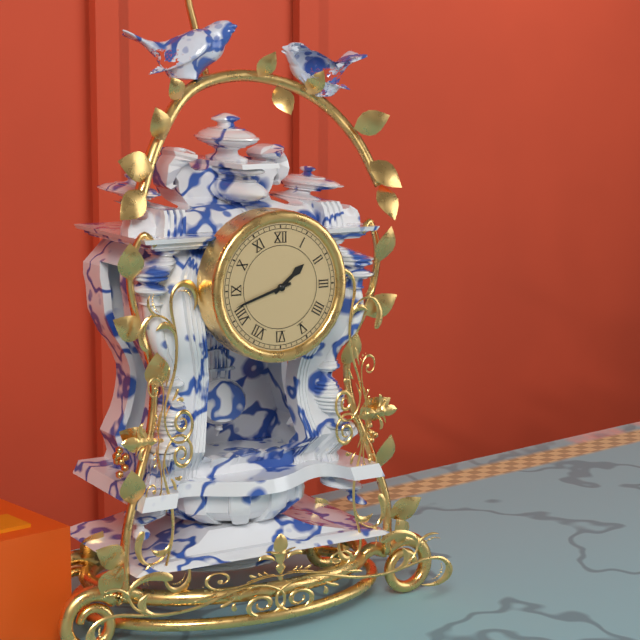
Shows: h=1 m=42
